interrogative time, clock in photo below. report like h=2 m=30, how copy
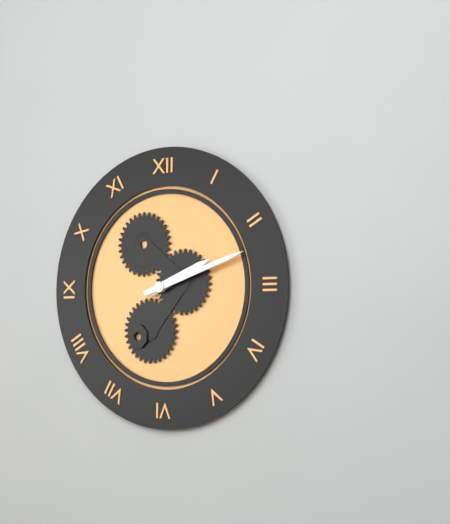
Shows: h=2 m=12
